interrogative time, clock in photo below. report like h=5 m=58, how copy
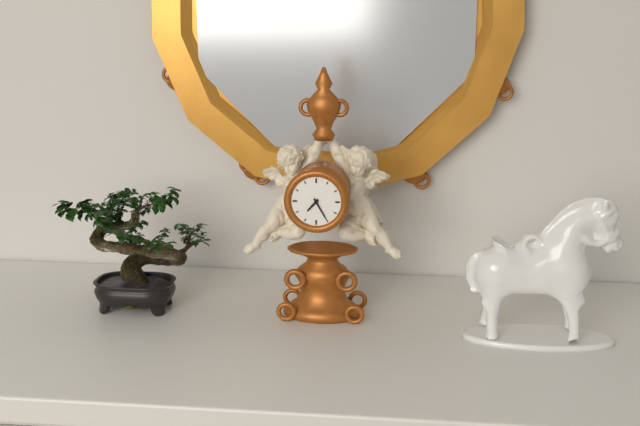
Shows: h=7 m=25
